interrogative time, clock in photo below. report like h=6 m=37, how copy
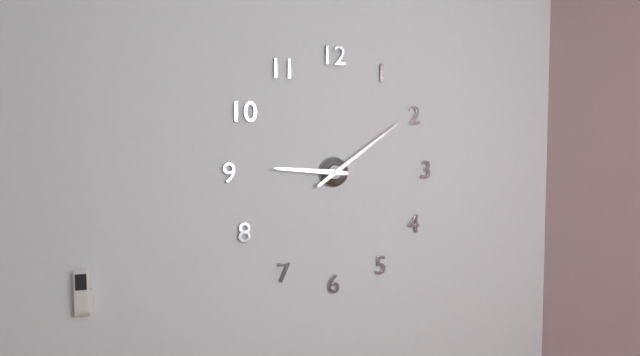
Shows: h=9 m=9
